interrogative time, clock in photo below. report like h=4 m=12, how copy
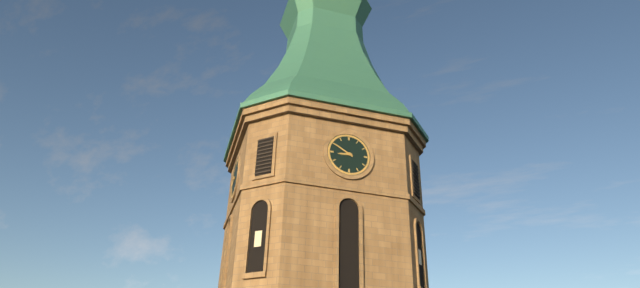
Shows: h=8 m=50
